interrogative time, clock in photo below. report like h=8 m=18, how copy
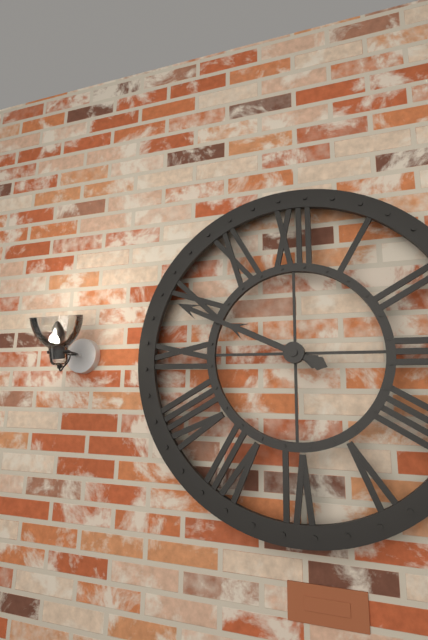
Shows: h=9 m=49
